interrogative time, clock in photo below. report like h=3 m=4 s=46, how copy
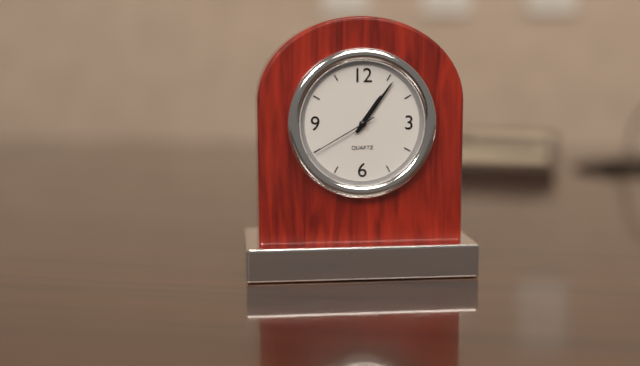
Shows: h=1 m=6 s=40
